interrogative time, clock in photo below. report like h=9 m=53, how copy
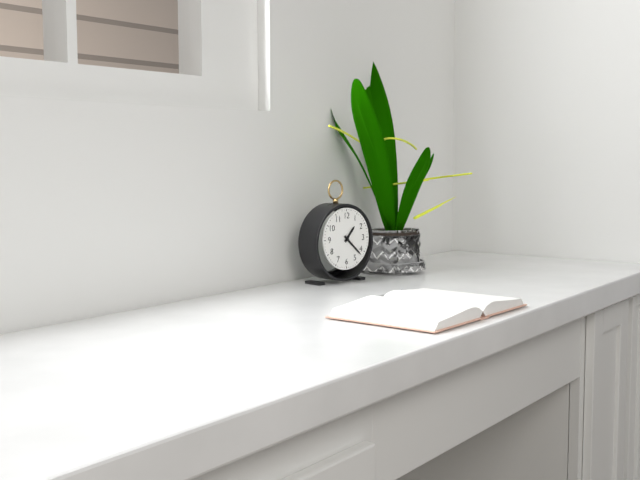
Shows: h=1 m=22
